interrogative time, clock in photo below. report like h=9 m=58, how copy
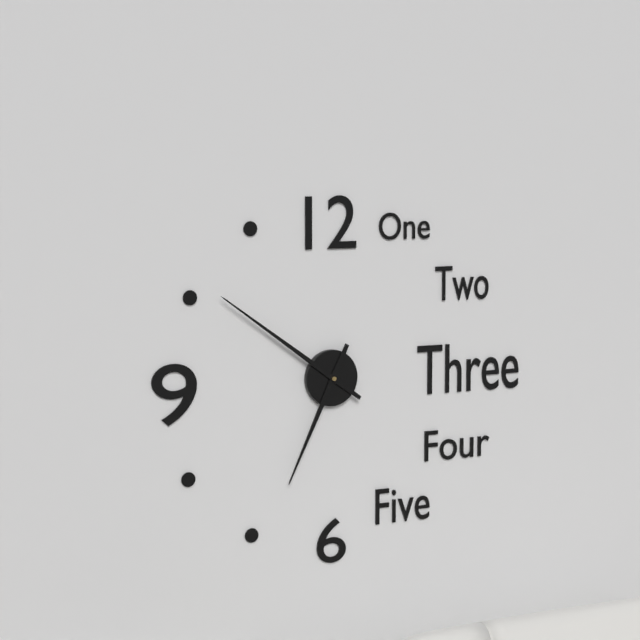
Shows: h=6 m=51
